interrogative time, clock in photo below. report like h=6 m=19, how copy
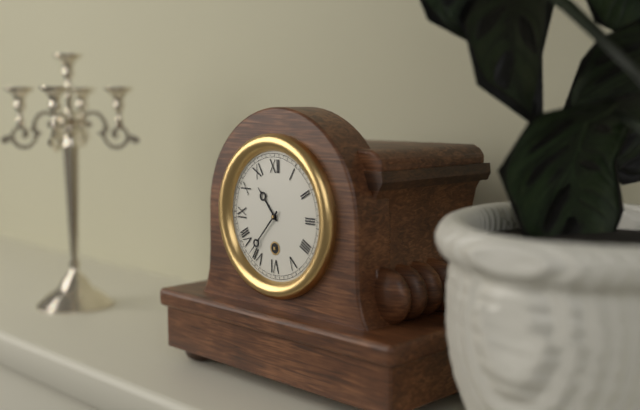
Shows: h=10 m=37
